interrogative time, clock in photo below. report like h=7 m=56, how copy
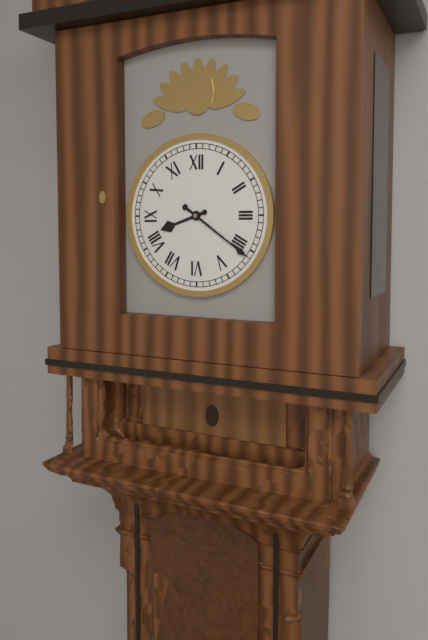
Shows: h=8 m=21
